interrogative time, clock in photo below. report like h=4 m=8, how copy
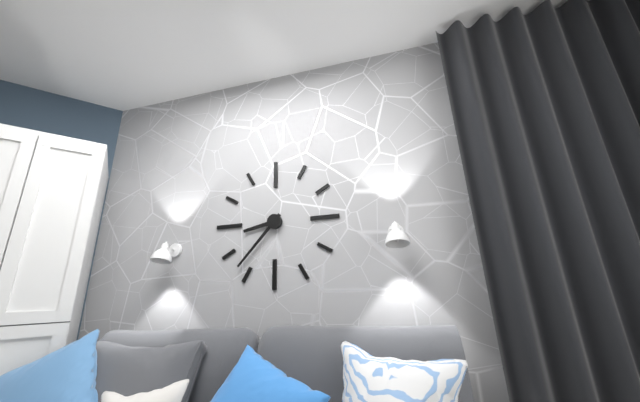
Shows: h=8 m=37
